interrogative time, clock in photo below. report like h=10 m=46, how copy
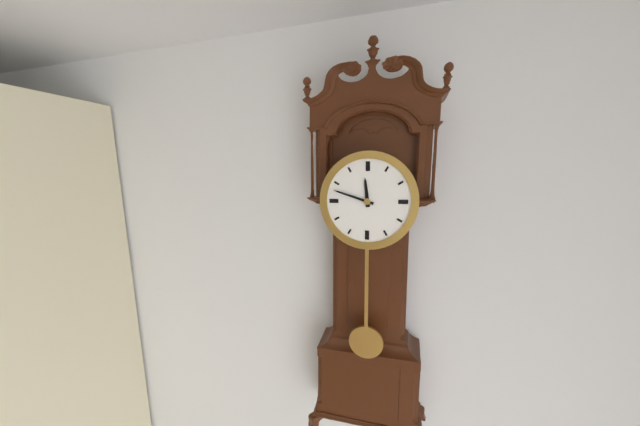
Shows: h=11 m=48
